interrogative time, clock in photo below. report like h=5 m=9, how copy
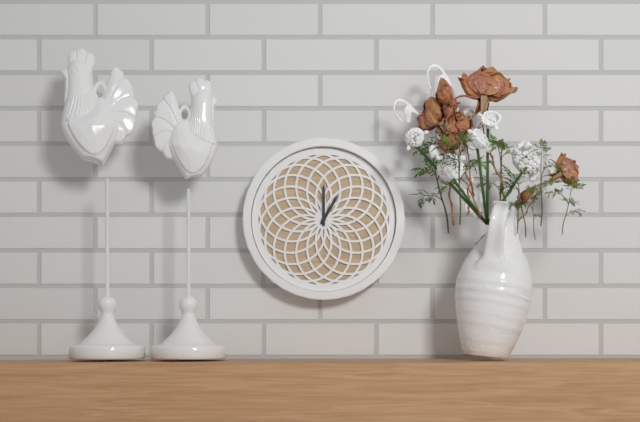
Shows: h=1 m=0
